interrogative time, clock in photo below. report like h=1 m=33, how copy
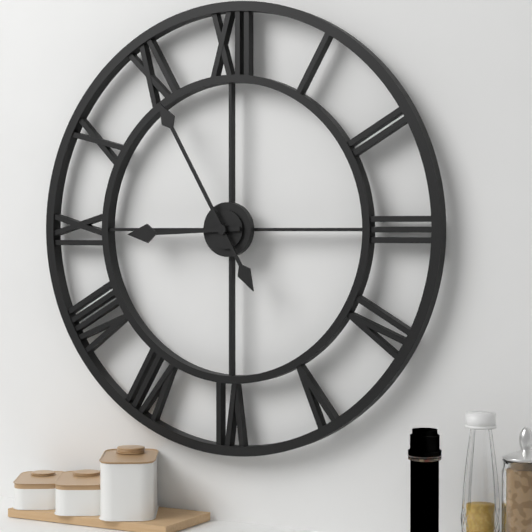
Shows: h=8 m=55
